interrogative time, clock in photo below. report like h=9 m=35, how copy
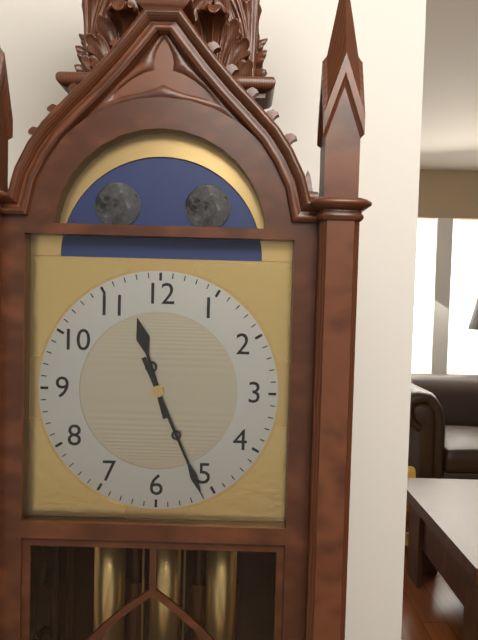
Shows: h=11 m=26
